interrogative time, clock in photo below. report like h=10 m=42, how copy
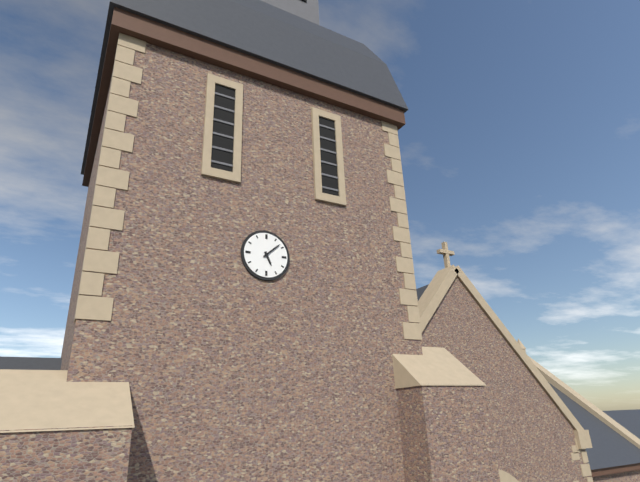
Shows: h=5 m=8
